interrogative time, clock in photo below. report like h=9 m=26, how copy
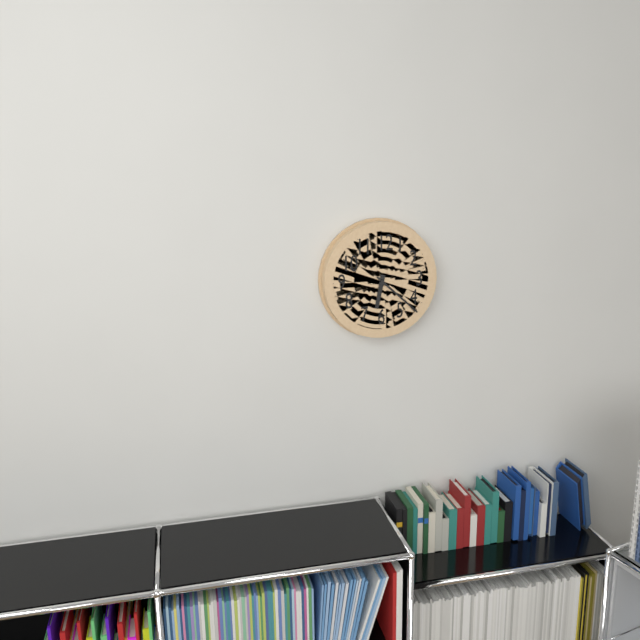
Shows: h=6 m=22
